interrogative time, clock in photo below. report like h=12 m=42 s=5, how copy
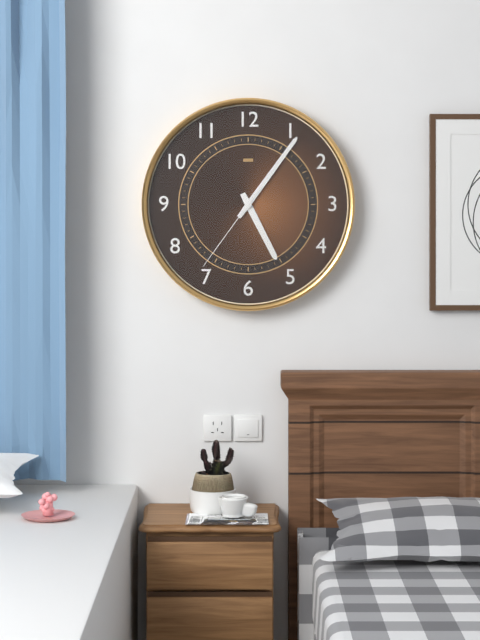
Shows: h=5 m=6 s=36
